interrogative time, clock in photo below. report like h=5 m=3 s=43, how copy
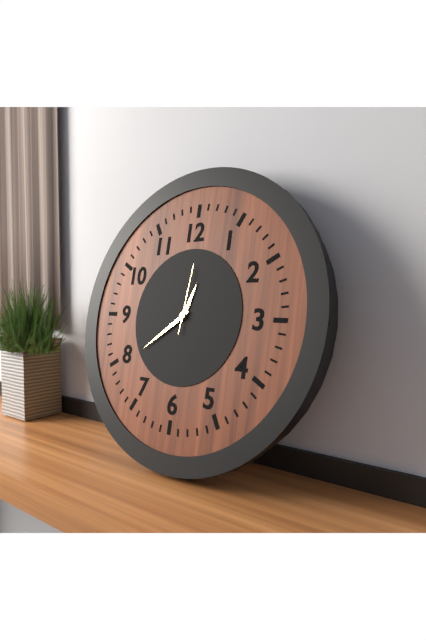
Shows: h=12 m=39 s=1
